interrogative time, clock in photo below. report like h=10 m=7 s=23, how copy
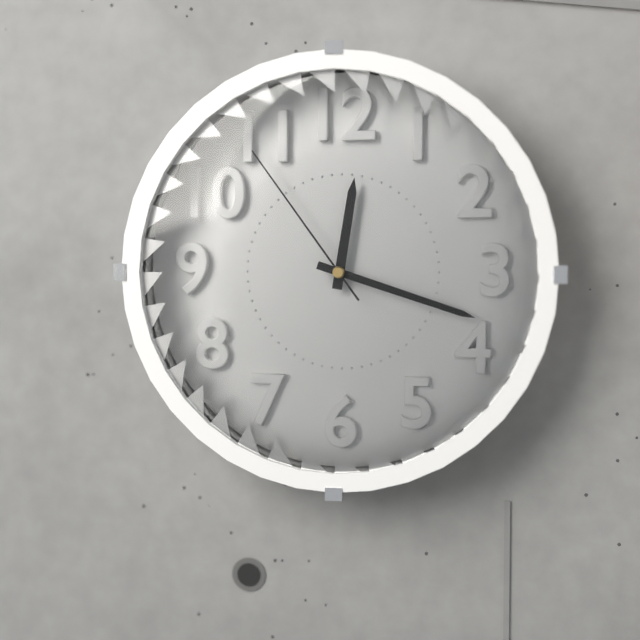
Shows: h=12 m=18 s=54
